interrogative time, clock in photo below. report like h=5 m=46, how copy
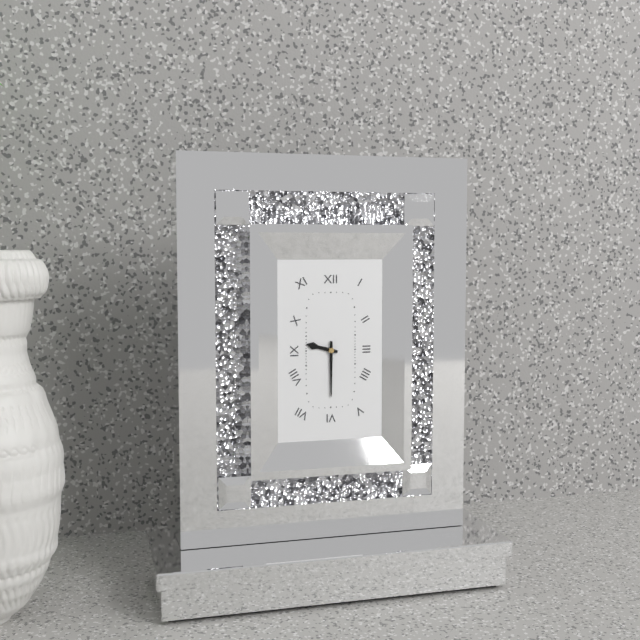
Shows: h=9 m=30
